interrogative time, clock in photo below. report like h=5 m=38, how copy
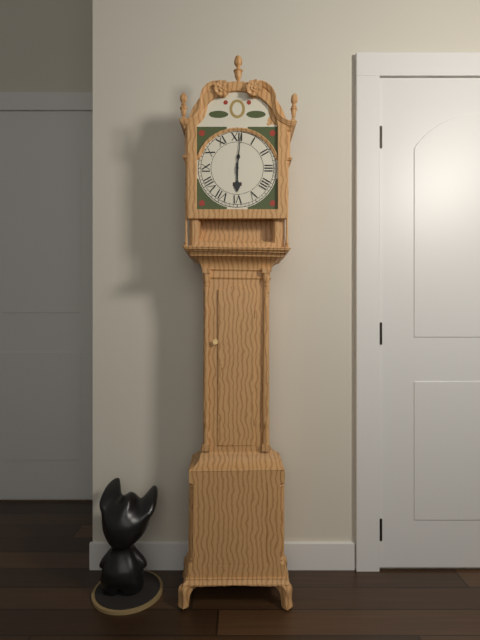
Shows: h=6 m=1
